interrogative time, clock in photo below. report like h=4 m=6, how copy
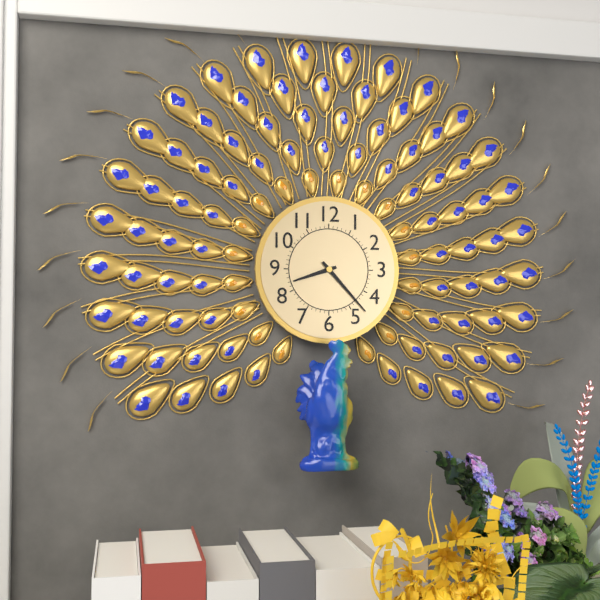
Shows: h=8 m=23
